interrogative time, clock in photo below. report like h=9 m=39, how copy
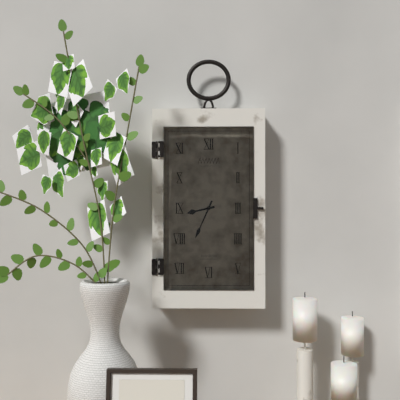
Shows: h=8 m=34
